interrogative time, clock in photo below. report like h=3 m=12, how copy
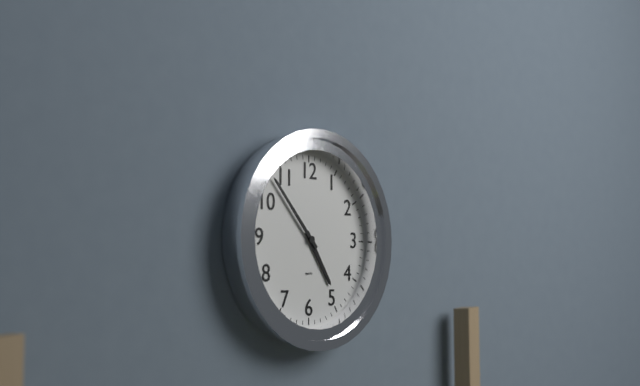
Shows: h=4 m=53
